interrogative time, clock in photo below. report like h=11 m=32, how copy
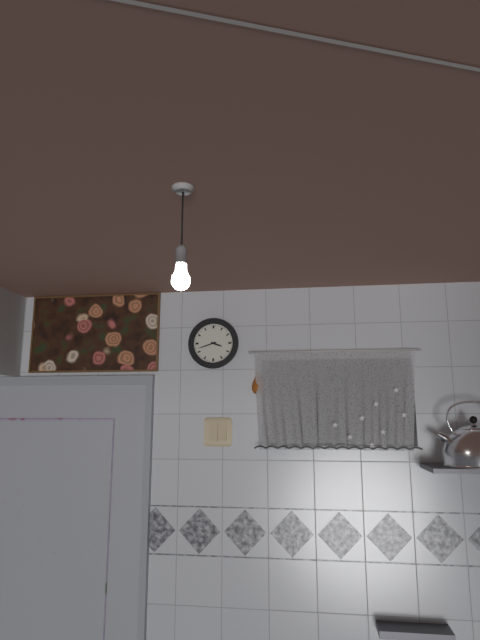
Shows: h=3 m=42
